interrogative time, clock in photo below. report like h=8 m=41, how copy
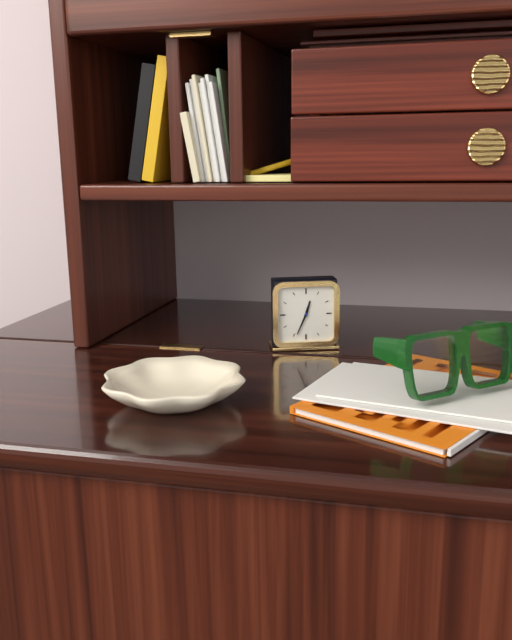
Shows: h=12 m=34
